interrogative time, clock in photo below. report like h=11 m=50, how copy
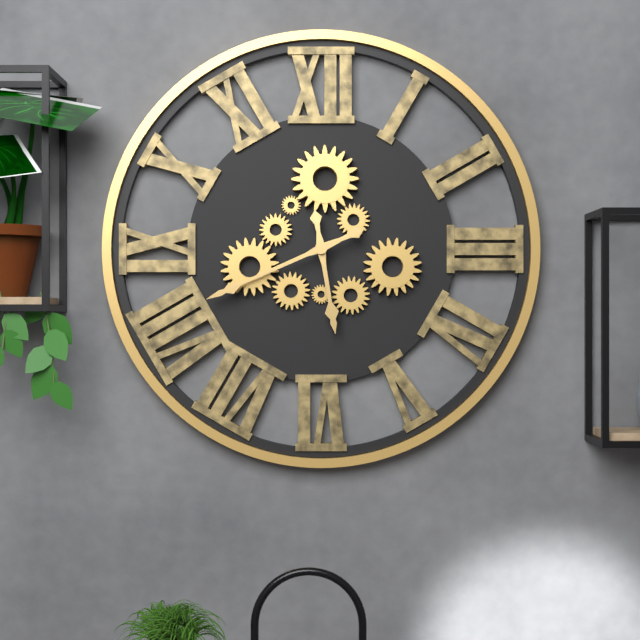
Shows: h=5 m=41
